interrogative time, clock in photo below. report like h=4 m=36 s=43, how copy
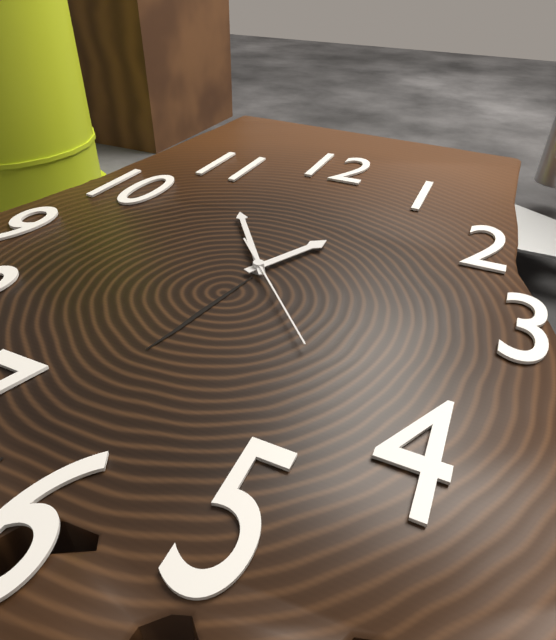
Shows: h=12 m=54 s=23
